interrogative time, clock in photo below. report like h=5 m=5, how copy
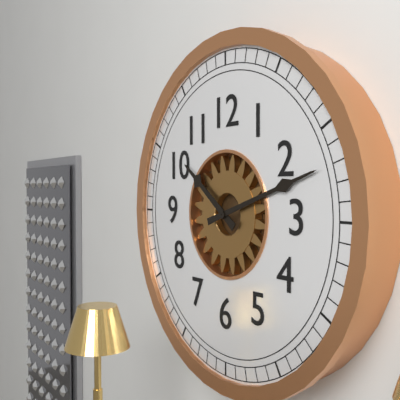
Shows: h=10 m=12
